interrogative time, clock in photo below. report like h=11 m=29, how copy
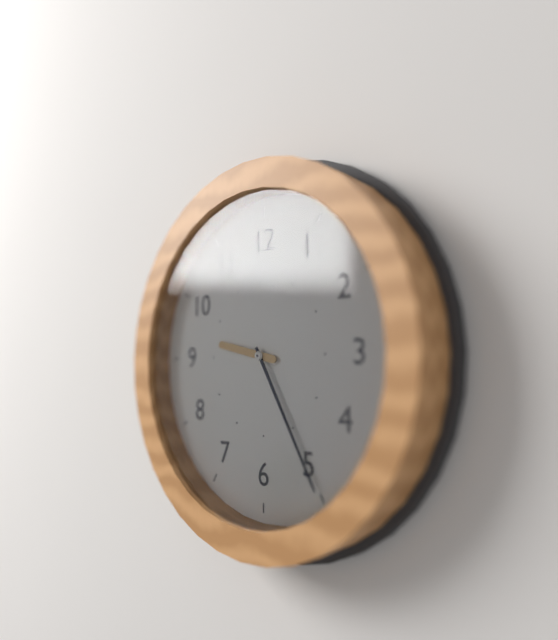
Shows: h=9 m=25
